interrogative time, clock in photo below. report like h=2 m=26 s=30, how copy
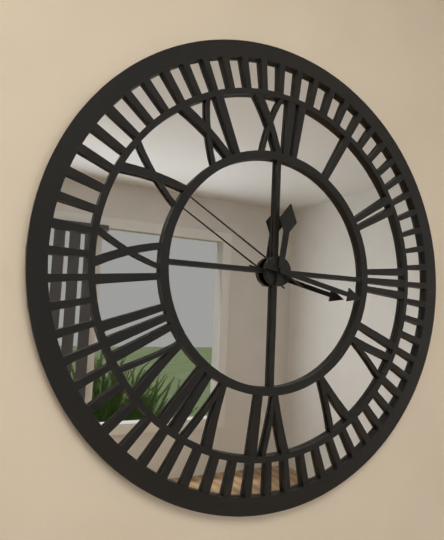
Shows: h=12 m=17 s=50
